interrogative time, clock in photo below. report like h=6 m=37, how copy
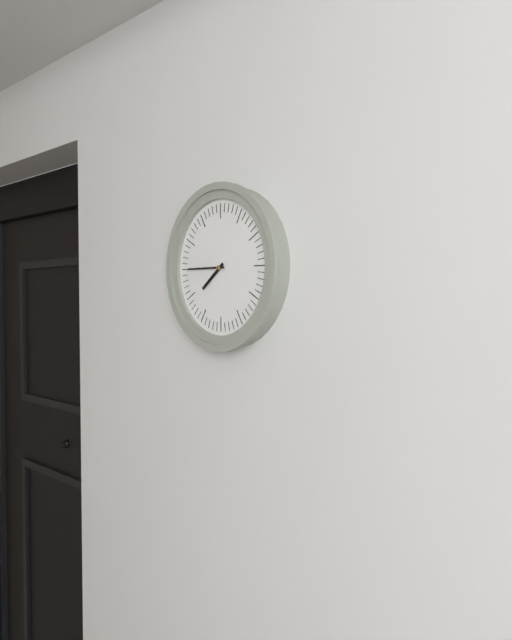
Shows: h=7 m=45
